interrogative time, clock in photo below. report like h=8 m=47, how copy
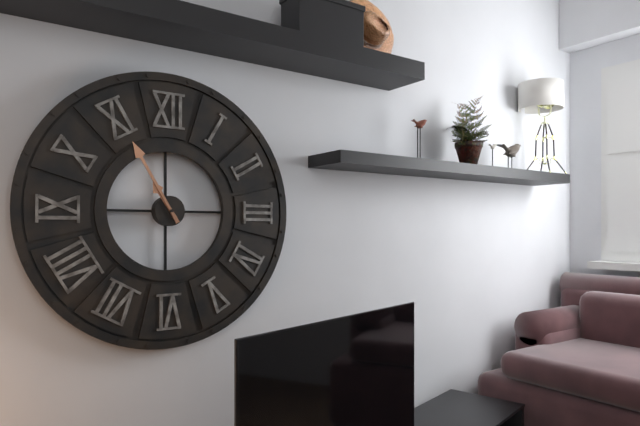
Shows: h=10 m=55
